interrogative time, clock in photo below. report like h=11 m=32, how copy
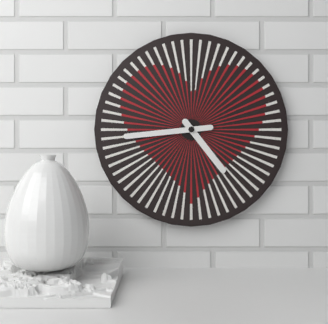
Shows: h=4 m=44
